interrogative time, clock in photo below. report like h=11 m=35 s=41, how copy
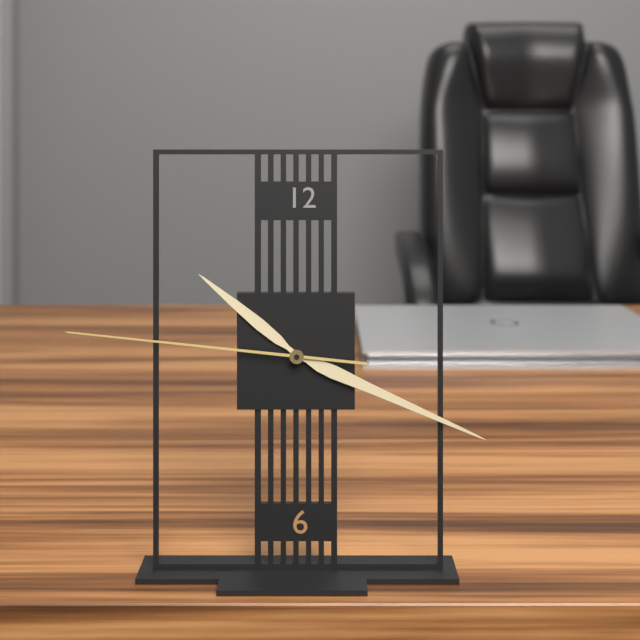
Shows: h=10 m=19 s=46
